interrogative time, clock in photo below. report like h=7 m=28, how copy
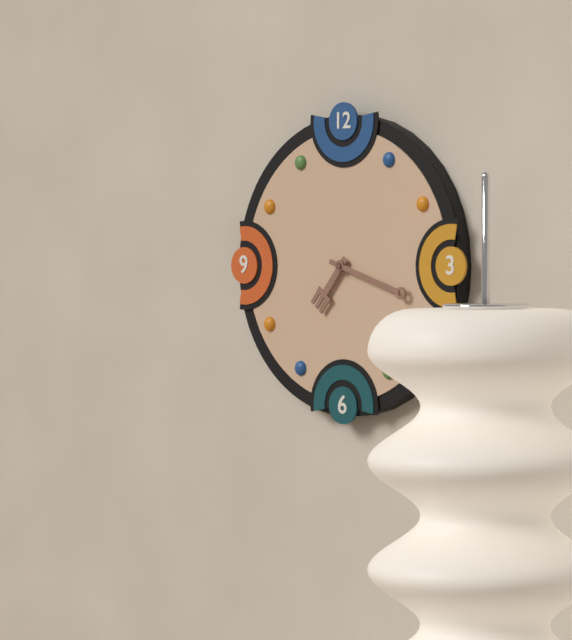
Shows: h=7 m=18
